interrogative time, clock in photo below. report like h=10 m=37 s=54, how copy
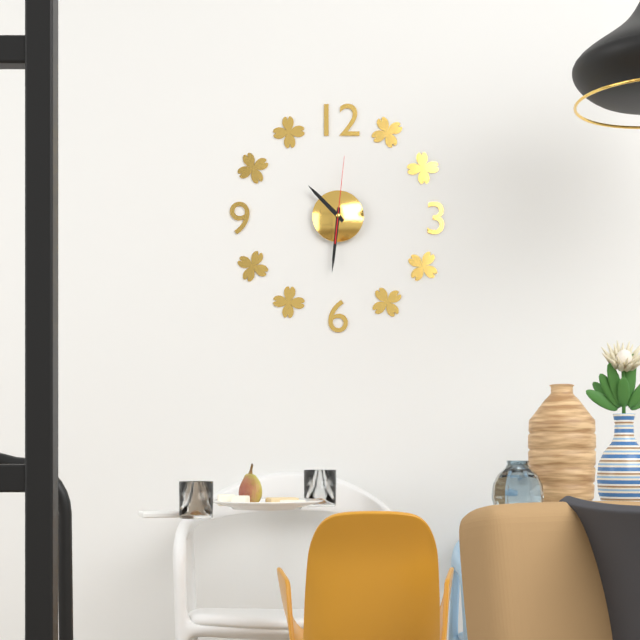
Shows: h=10 m=31 s=1
